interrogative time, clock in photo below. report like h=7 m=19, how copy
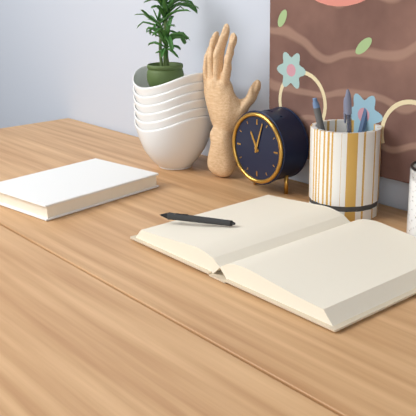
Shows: h=11 m=3
